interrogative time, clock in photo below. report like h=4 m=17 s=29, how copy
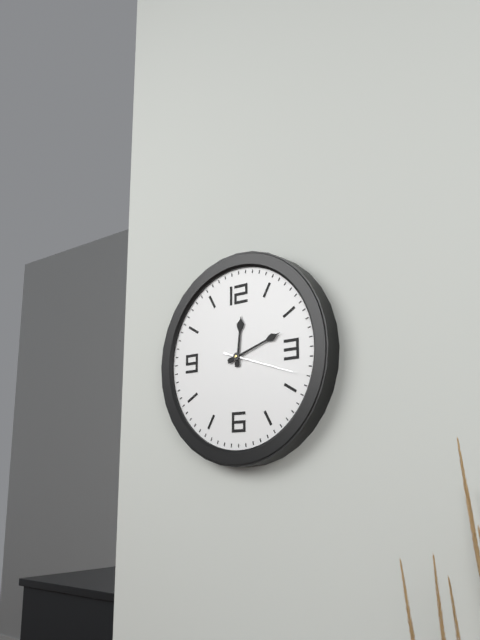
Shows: h=12 m=12 s=18
